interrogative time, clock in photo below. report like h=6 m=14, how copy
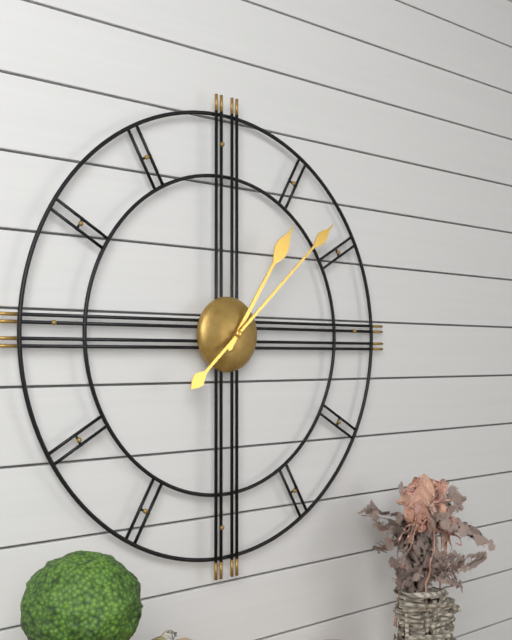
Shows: h=1 m=8
